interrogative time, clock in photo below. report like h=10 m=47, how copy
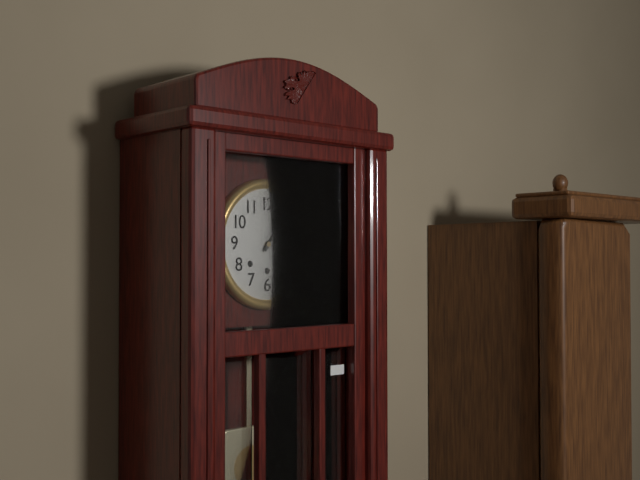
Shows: h=1 m=6
